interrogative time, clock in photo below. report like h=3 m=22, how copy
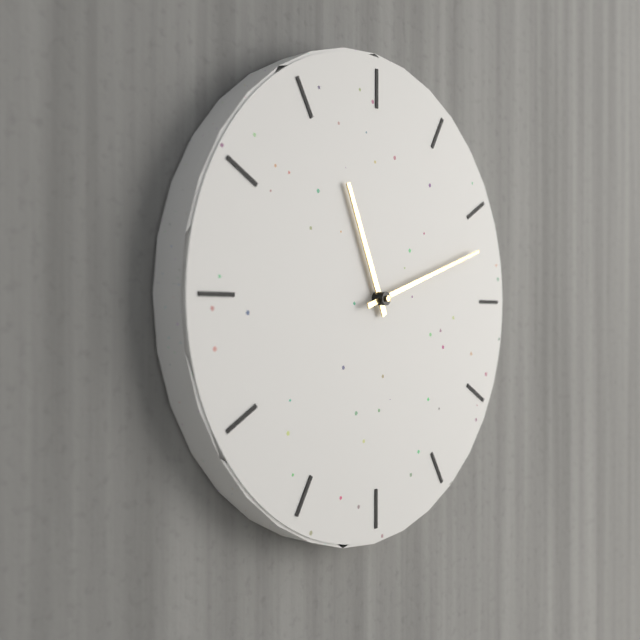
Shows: h=11 m=12
